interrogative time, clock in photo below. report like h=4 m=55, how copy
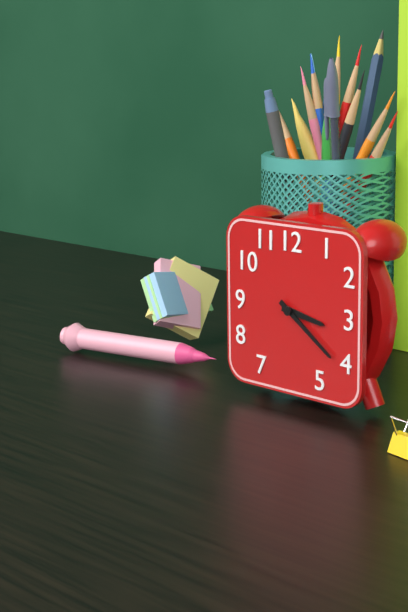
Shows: h=3 m=21
